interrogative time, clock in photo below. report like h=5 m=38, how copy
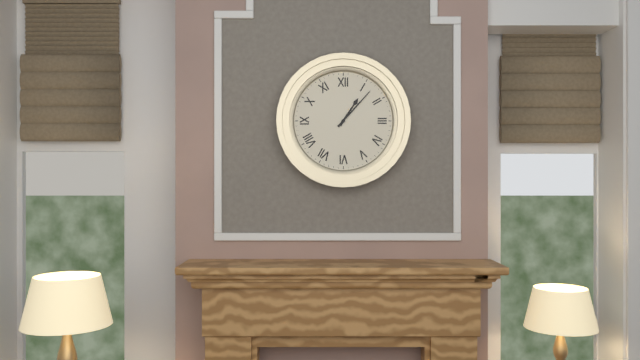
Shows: h=1 m=7
